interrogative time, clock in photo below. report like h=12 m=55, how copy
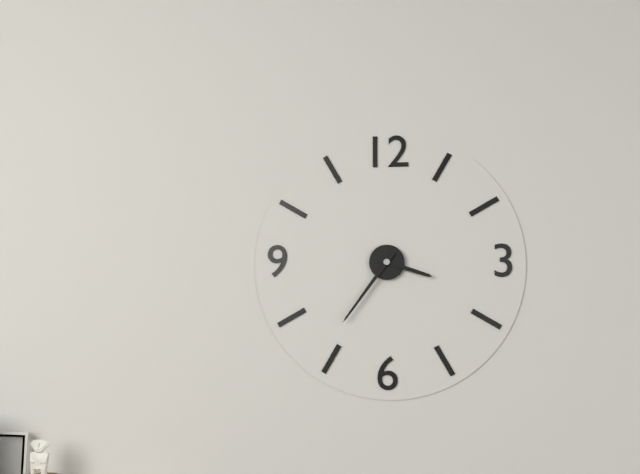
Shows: h=3 m=36
